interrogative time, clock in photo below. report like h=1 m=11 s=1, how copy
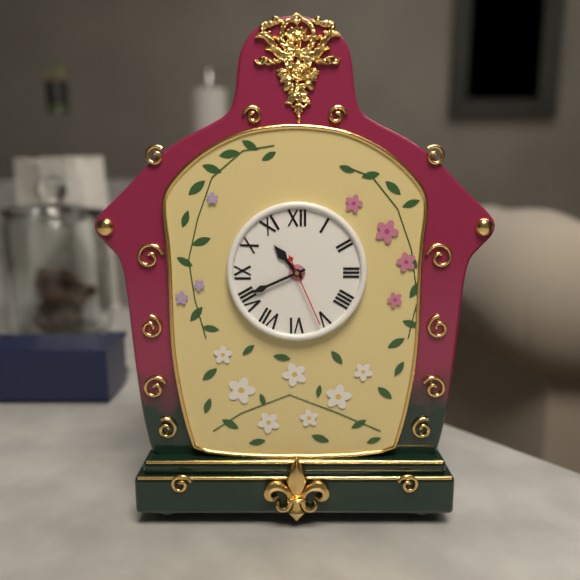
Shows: h=10 m=41 s=26
